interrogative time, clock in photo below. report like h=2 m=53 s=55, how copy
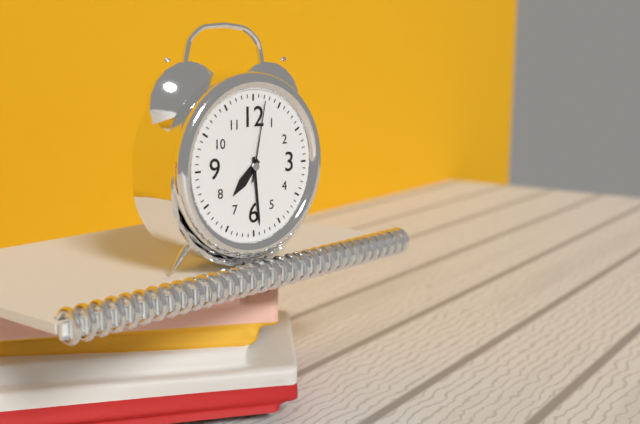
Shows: h=7 m=29 s=2
